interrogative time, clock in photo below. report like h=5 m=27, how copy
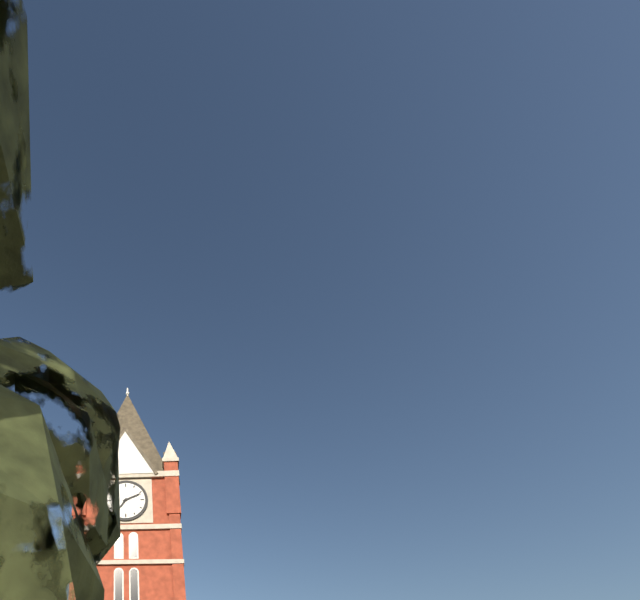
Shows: h=7 m=11
